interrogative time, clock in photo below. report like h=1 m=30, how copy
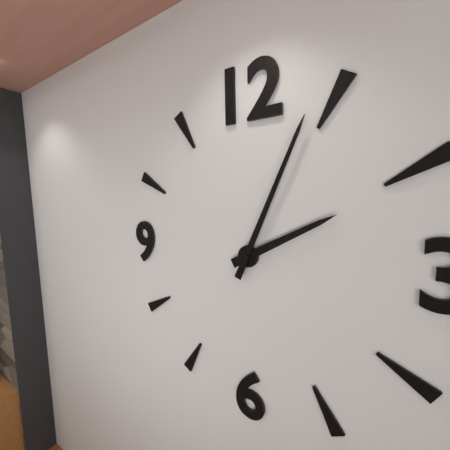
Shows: h=2 m=4
